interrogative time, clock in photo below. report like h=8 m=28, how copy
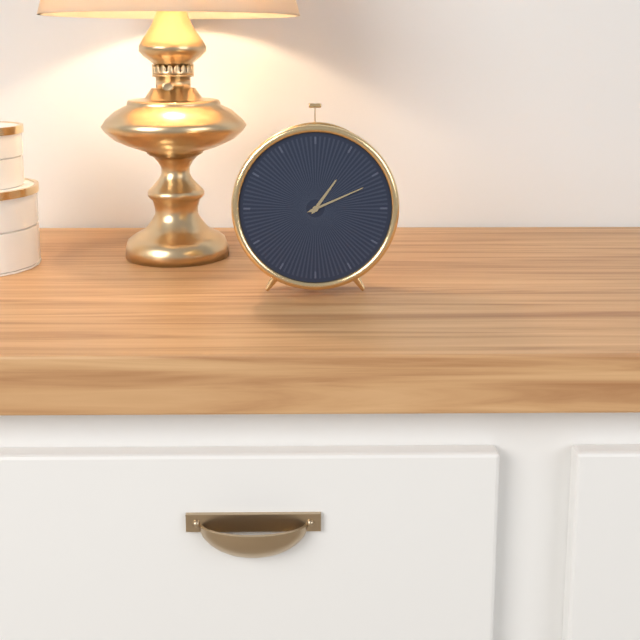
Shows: h=1 m=11
